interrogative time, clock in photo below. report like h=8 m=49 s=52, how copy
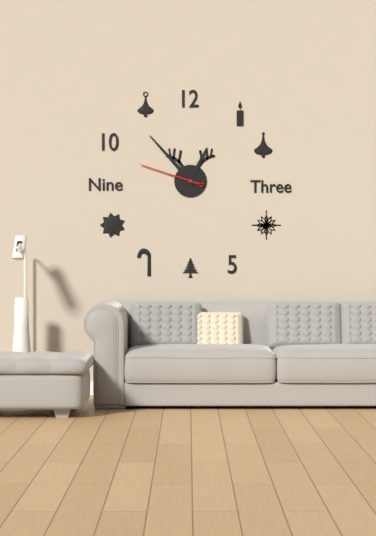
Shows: h=12 m=53 s=48
